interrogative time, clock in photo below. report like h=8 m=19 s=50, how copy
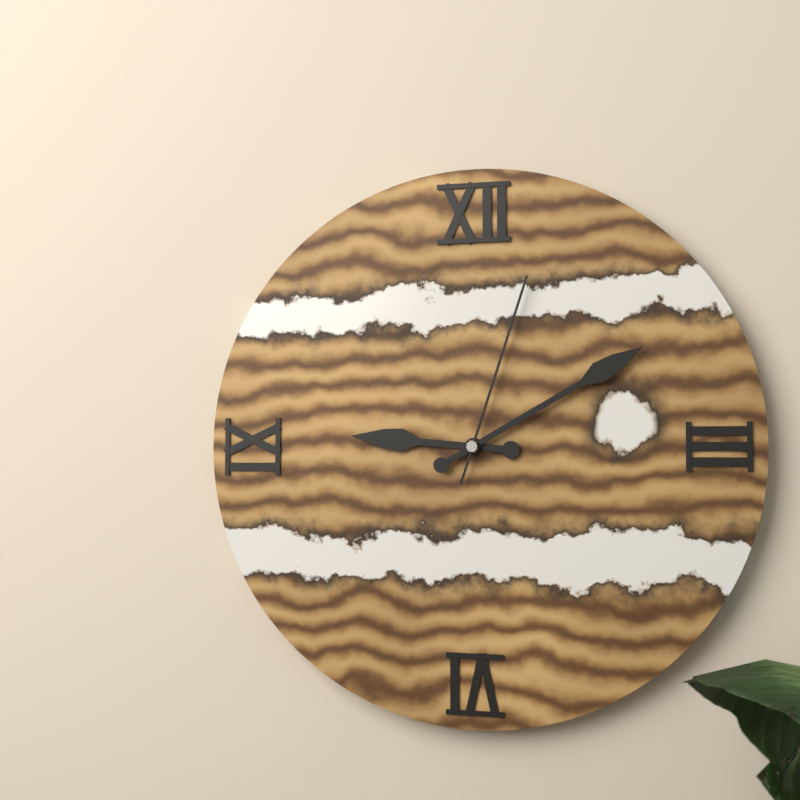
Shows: h=9 m=10 s=3
